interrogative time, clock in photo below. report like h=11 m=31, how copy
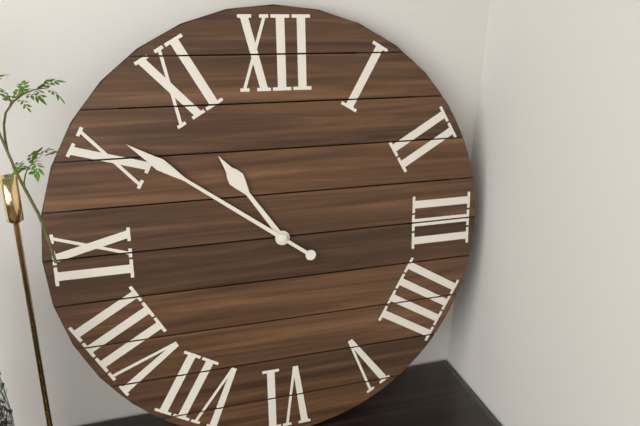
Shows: h=10 m=51
